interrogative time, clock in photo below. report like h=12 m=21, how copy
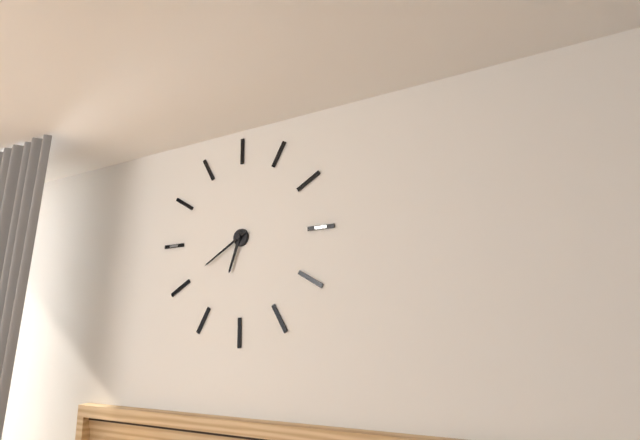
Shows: h=6 m=40
